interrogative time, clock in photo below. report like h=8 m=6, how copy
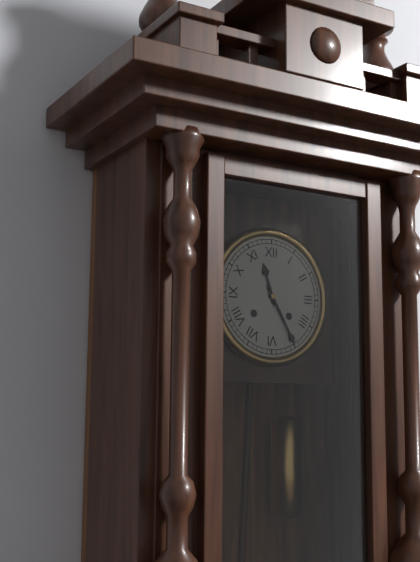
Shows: h=11 m=25
